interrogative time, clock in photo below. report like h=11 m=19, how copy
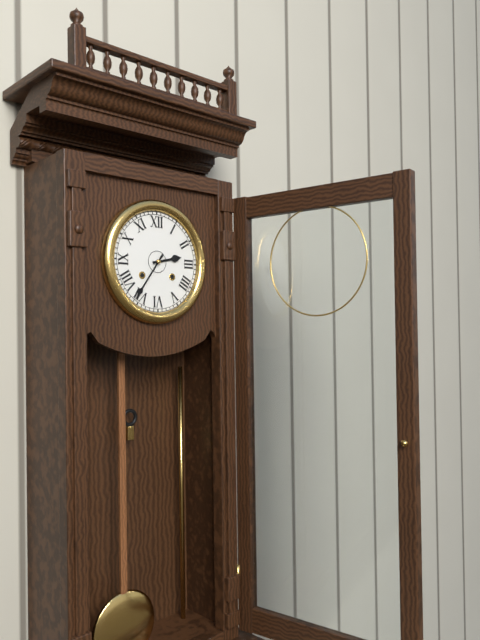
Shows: h=2 m=36
